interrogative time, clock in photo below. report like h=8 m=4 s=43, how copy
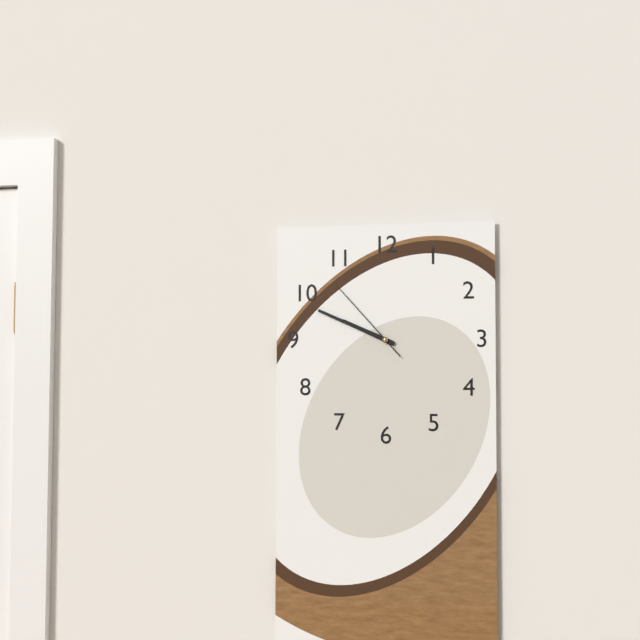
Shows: h=9 m=49 s=53
